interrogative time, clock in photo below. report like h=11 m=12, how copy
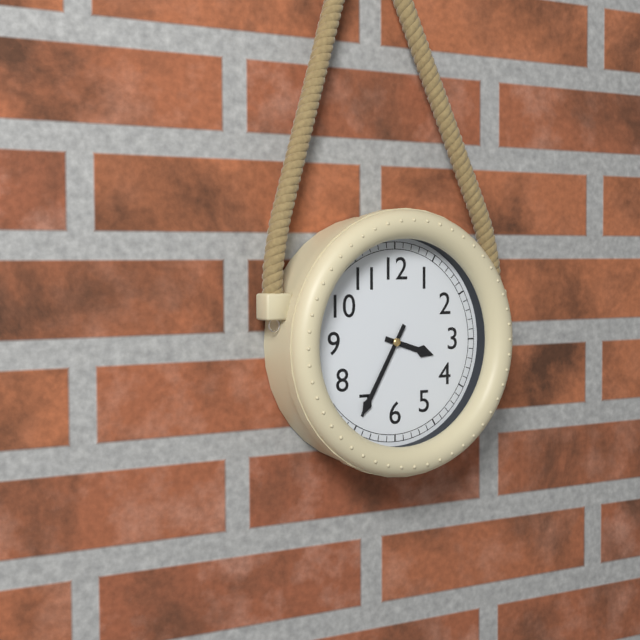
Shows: h=3 m=35
